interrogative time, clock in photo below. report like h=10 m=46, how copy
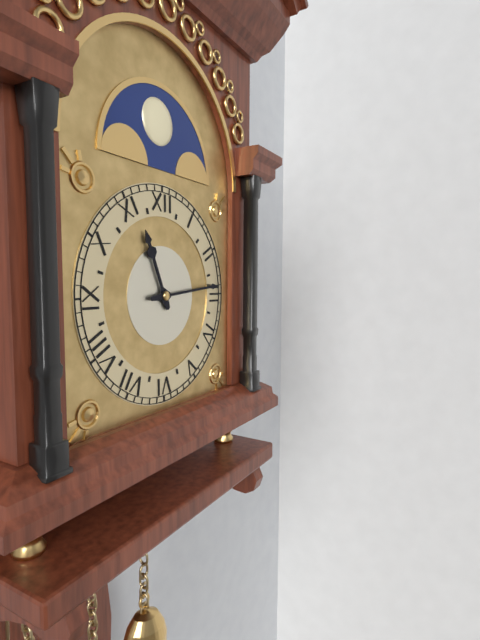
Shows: h=11 m=14
